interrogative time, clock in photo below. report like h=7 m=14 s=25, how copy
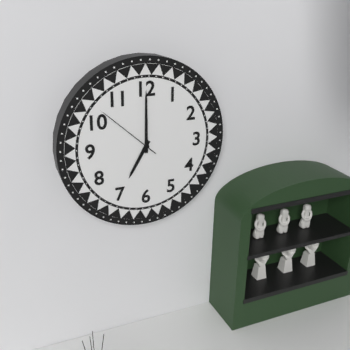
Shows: h=7 m=0 s=52
